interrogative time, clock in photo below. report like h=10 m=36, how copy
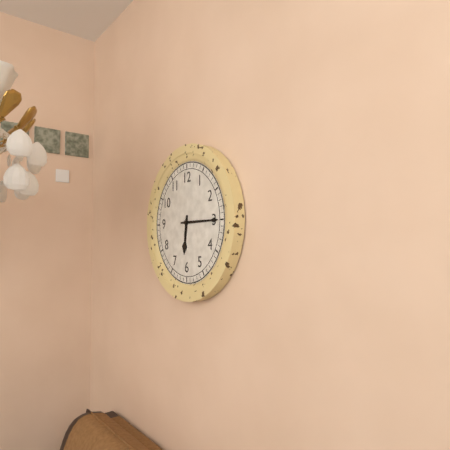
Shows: h=6 m=15
